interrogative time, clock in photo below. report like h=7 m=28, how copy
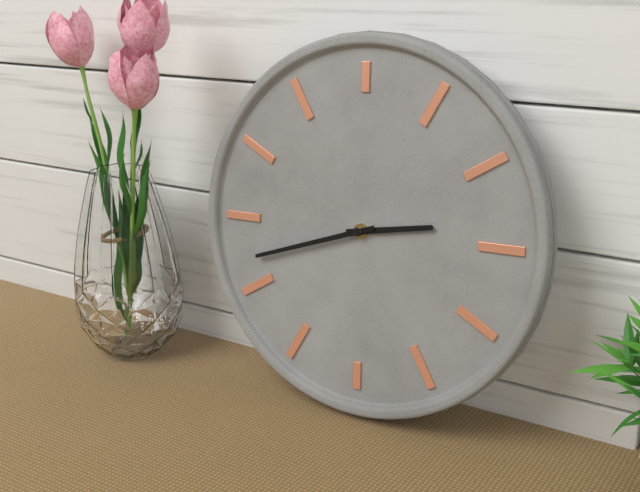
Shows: h=2 m=42
